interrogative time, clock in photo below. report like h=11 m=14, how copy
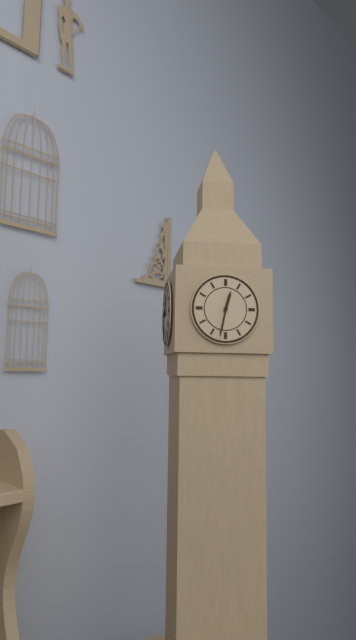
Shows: h=12 m=32
